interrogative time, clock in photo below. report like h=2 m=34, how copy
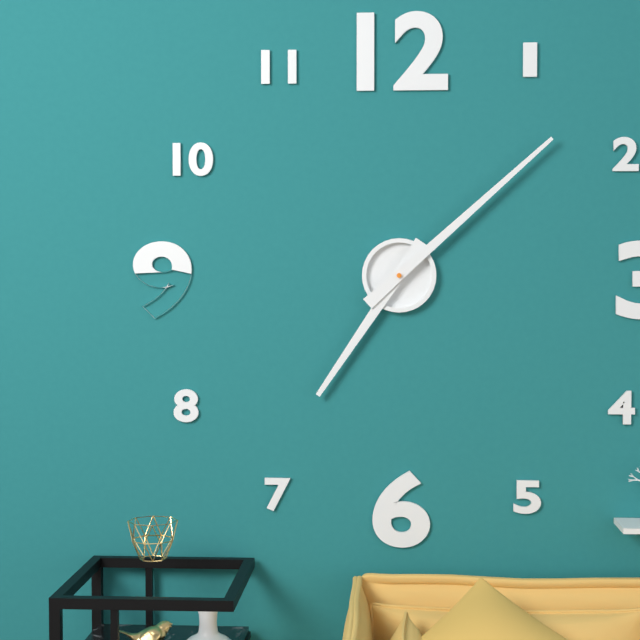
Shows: h=7 m=8
